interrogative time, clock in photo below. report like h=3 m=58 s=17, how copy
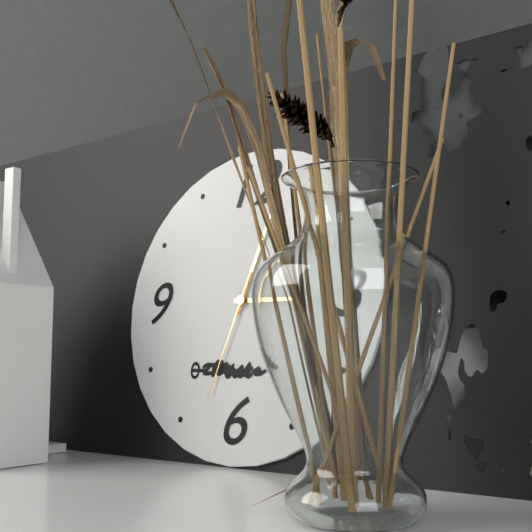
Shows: h=3 m=3 s=33
